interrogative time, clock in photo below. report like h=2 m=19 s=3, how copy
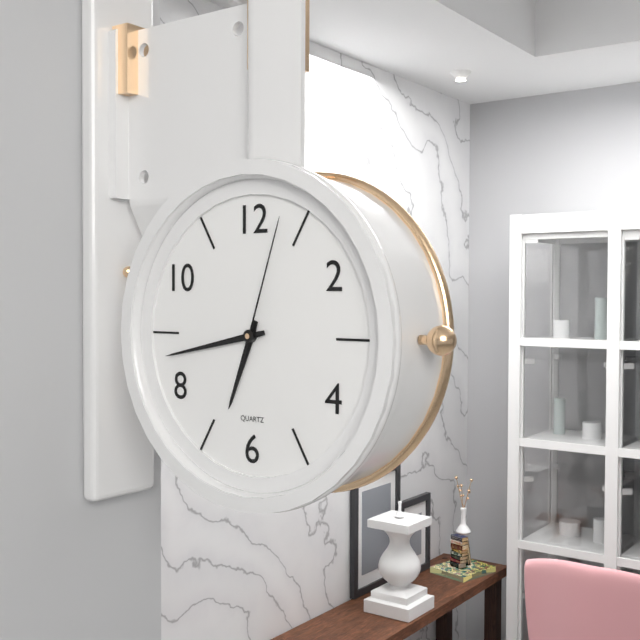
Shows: h=6 m=43 s=3
